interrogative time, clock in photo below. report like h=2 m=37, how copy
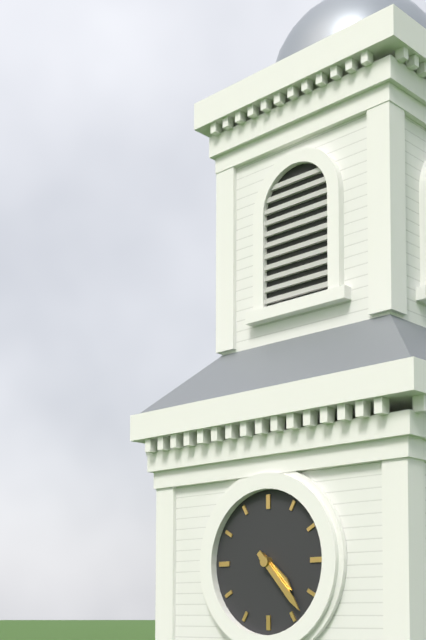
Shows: h=4 m=23
